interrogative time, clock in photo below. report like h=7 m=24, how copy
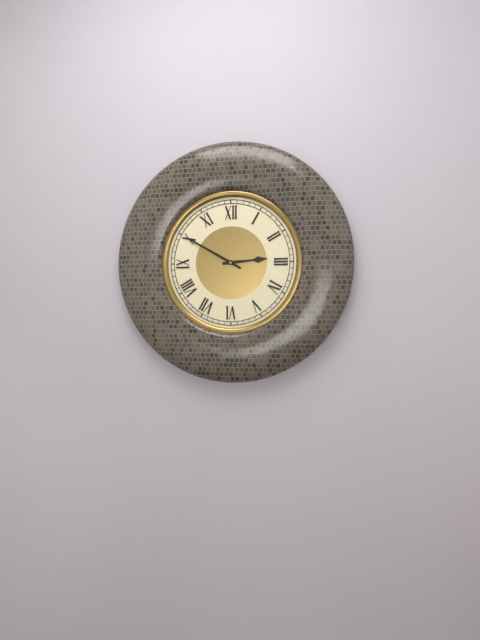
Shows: h=2 m=50
